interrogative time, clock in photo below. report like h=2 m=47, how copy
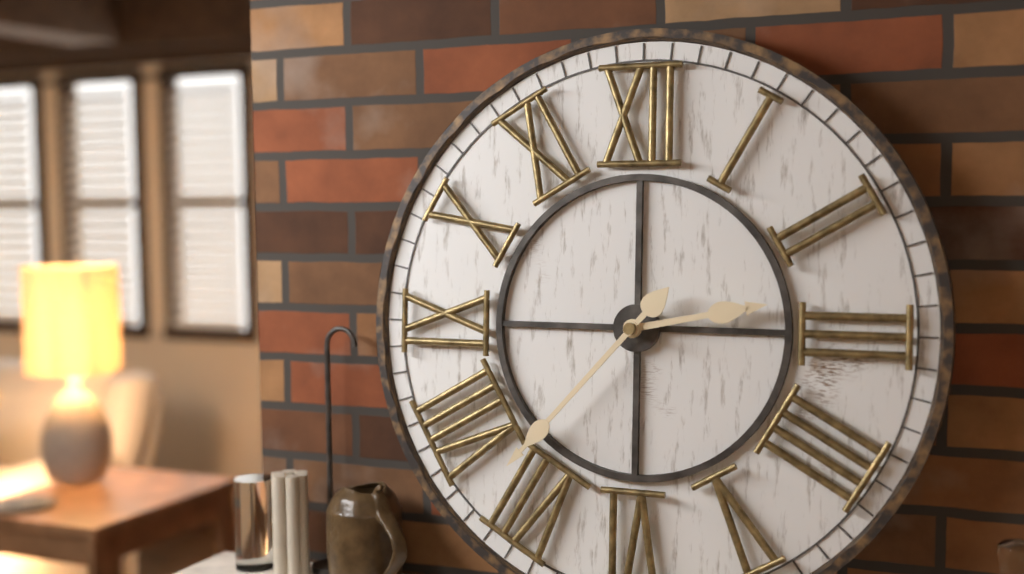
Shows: h=2 m=37
